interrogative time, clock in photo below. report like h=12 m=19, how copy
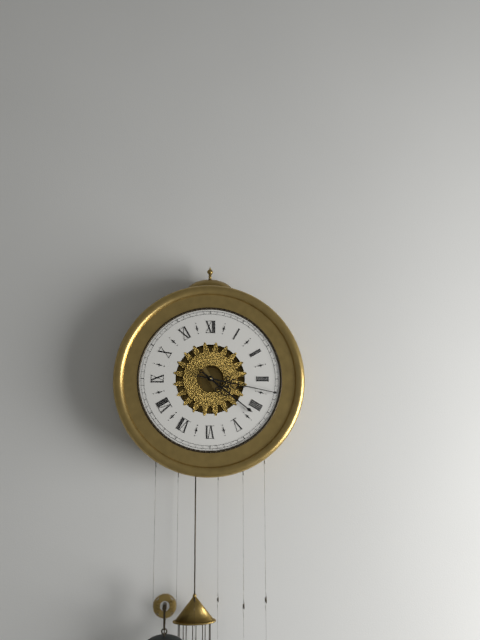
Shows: h=4 m=17
